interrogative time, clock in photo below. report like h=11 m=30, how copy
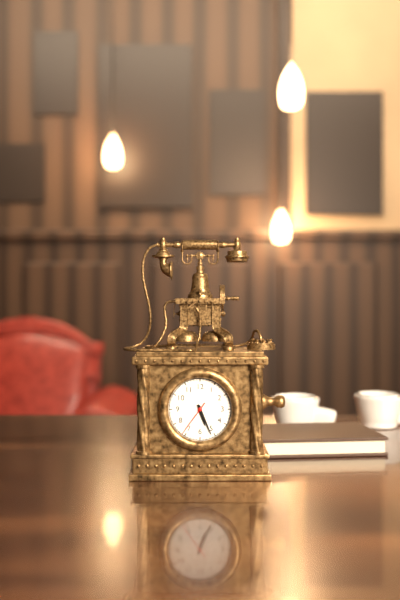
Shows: h=5 m=26
